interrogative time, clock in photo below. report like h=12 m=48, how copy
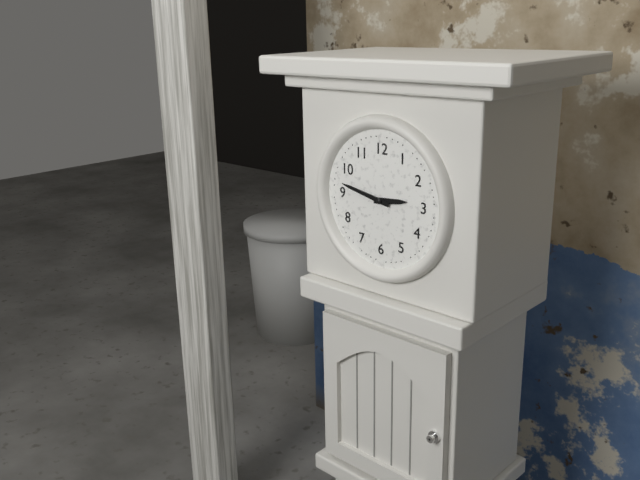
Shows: h=2 m=47
